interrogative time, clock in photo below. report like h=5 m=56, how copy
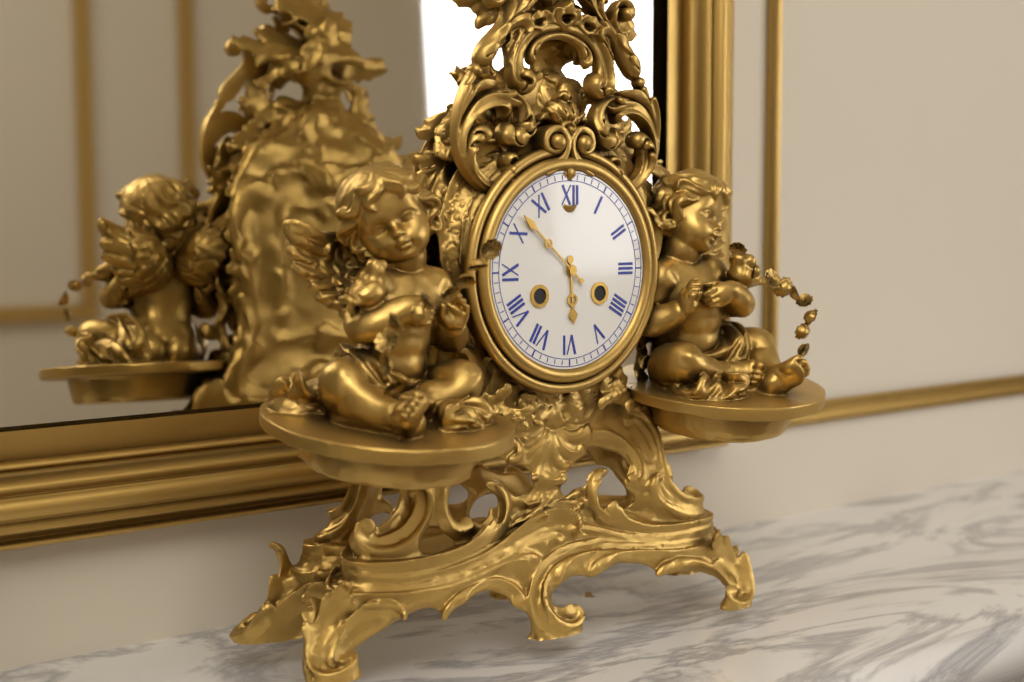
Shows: h=5 m=52
